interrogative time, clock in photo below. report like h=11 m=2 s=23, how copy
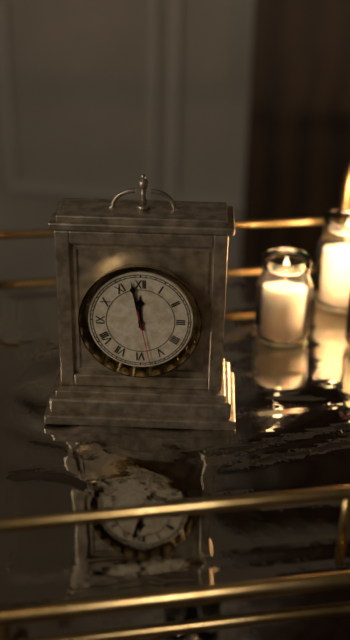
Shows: h=11 m=58 s=28
